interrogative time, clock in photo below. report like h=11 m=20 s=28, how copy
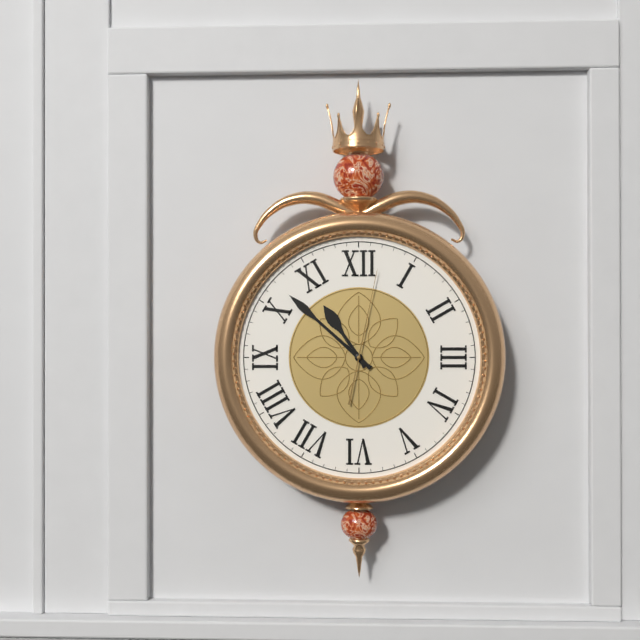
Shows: h=10 m=52 s=2
